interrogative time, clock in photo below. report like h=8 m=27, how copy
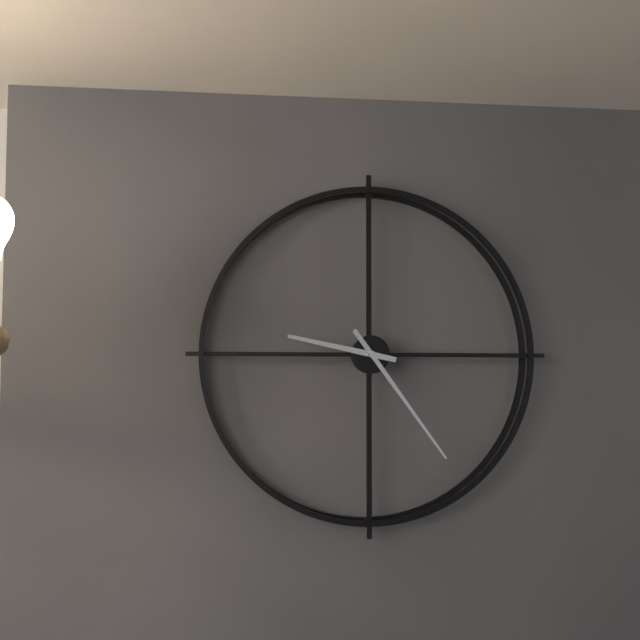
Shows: h=9 m=24
